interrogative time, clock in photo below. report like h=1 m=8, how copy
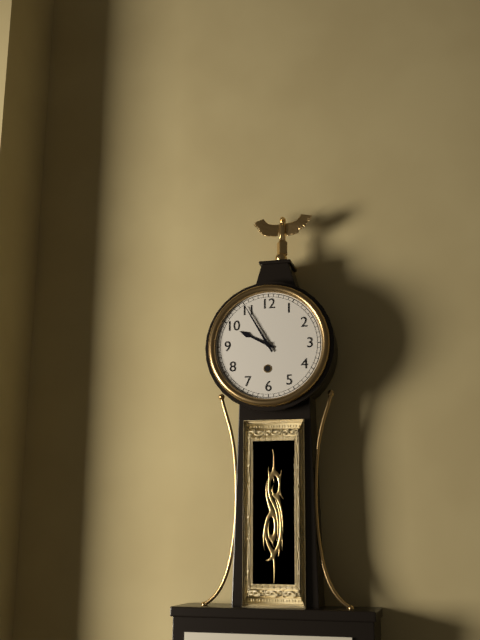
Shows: h=9 m=55
